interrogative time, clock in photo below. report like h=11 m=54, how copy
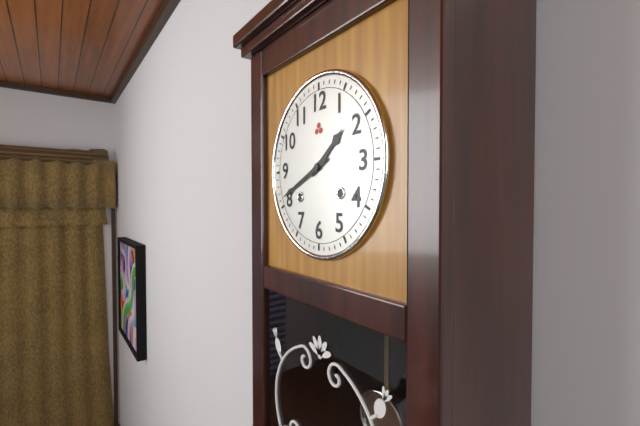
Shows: h=1 m=41
